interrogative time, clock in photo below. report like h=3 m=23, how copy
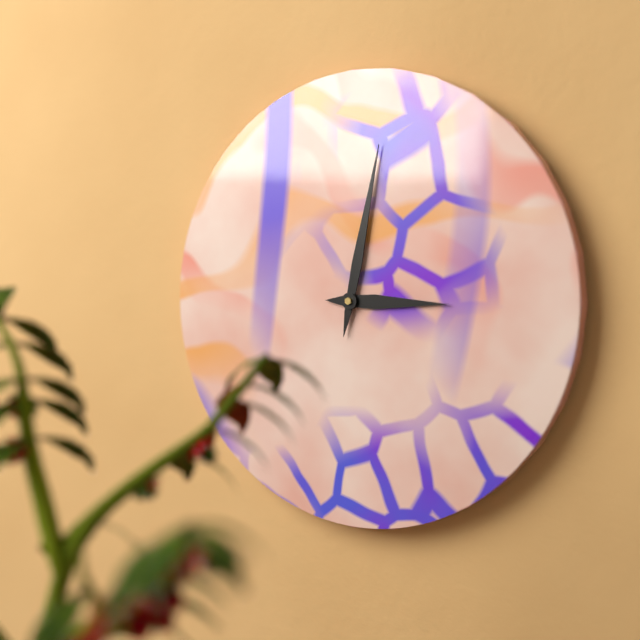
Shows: h=3 m=2
